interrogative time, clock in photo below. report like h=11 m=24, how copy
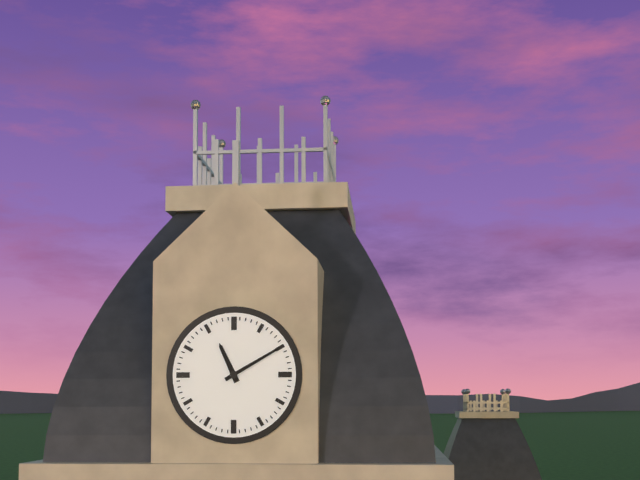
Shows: h=11 m=10
